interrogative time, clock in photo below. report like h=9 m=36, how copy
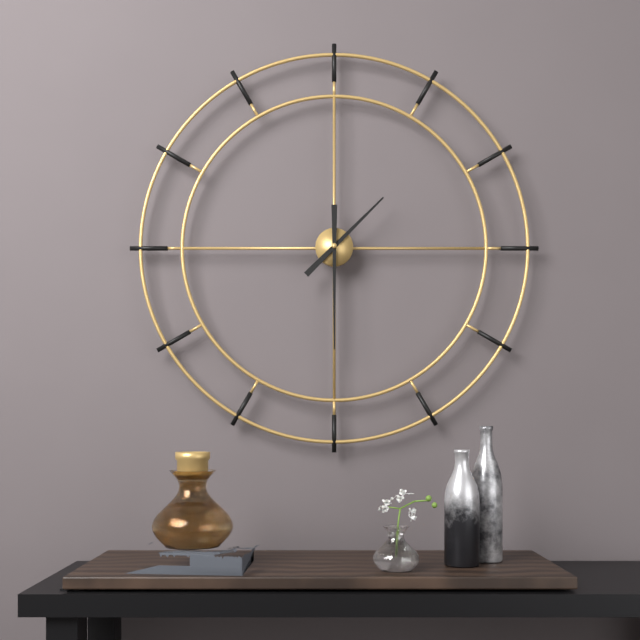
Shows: h=1 m=30
